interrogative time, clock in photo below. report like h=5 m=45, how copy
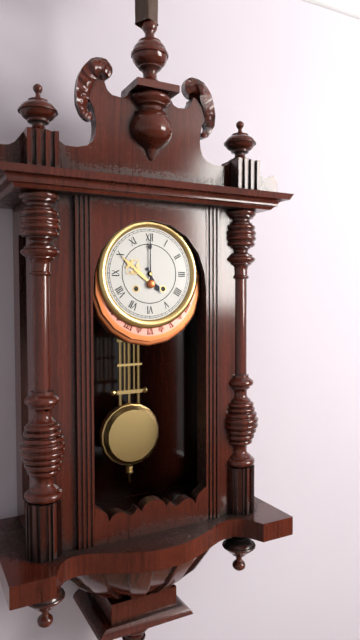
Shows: h=5 m=0
